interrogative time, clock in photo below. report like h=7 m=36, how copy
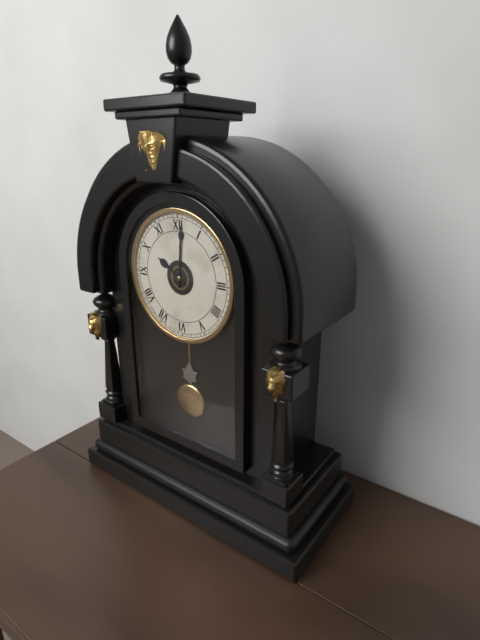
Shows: h=10 m=1
